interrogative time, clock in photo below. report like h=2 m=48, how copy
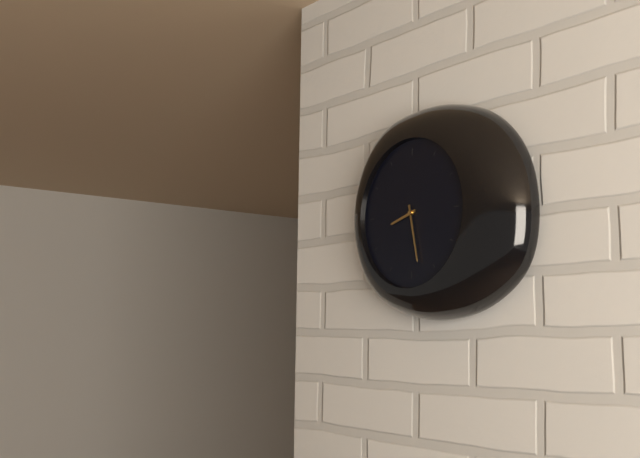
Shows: h=8 m=28
